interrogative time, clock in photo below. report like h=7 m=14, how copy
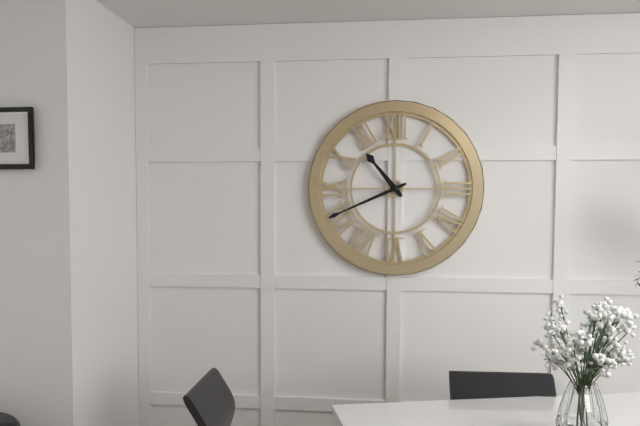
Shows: h=10 m=41
